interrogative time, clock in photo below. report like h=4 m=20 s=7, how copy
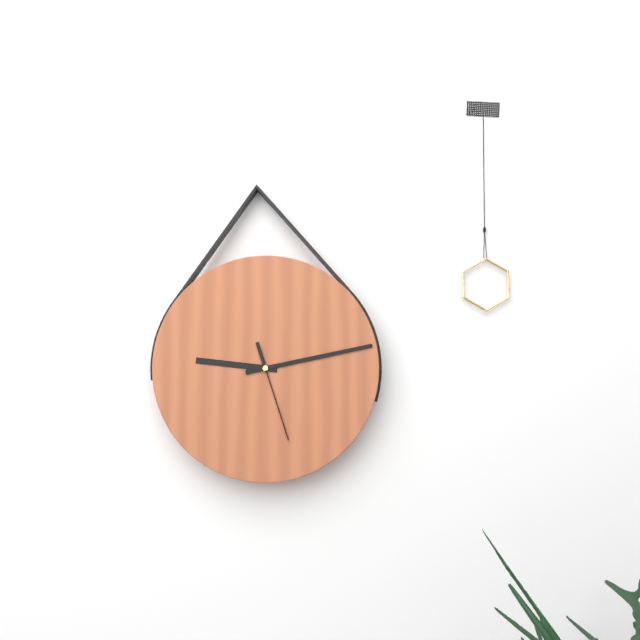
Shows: h=9 m=13 s=27
